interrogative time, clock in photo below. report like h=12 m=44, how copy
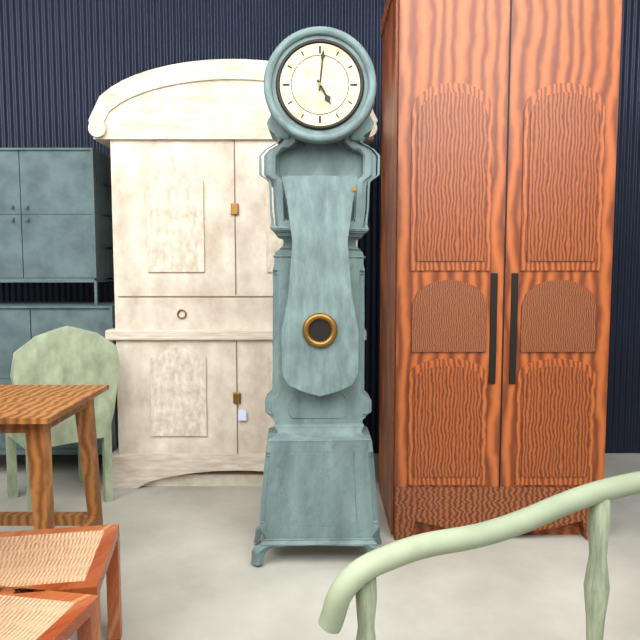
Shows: h=5 m=1
